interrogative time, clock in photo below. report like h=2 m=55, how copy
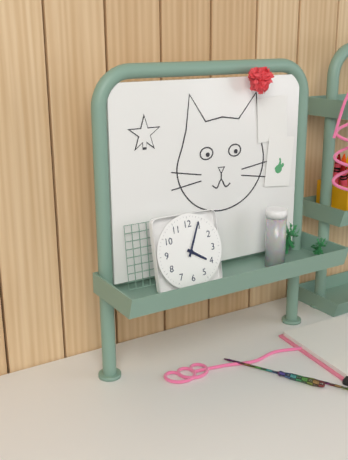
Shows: h=4 m=4
